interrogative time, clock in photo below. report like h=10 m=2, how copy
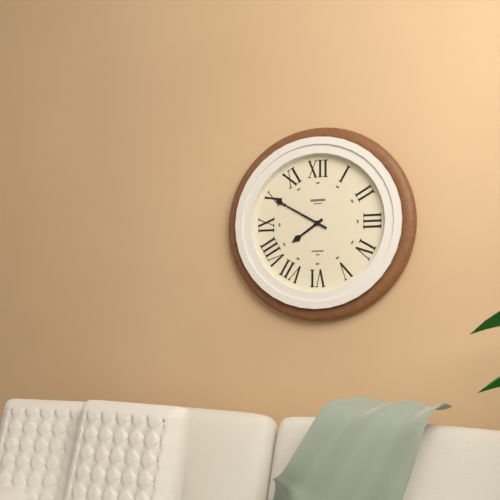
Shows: h=7 m=50
